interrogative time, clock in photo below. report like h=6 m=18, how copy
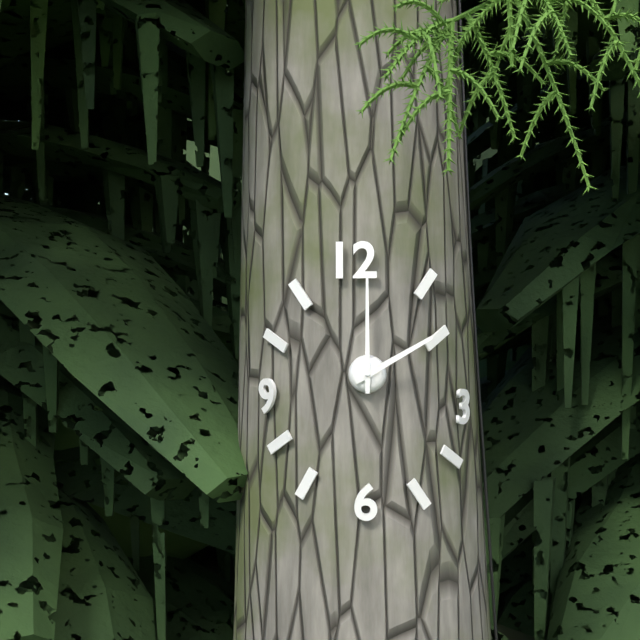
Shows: h=2 m=0
